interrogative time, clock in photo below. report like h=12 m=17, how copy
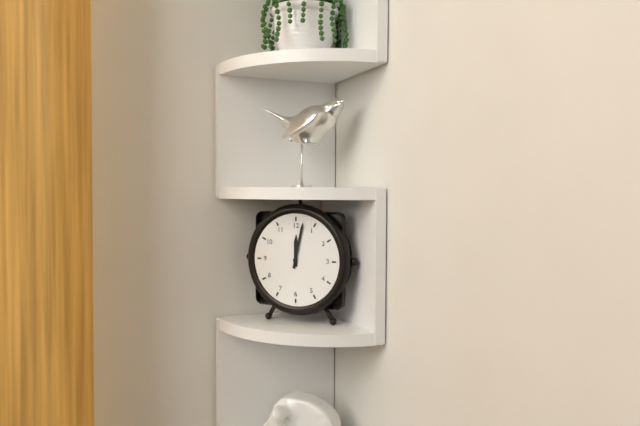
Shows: h=12 m=2
